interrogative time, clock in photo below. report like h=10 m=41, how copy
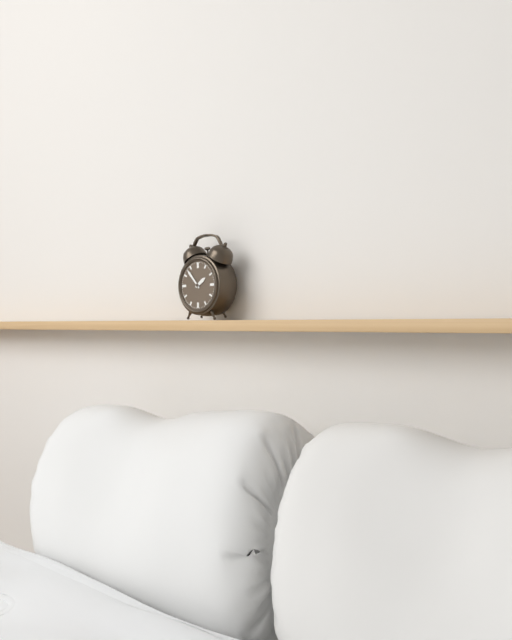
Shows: h=1 m=53
